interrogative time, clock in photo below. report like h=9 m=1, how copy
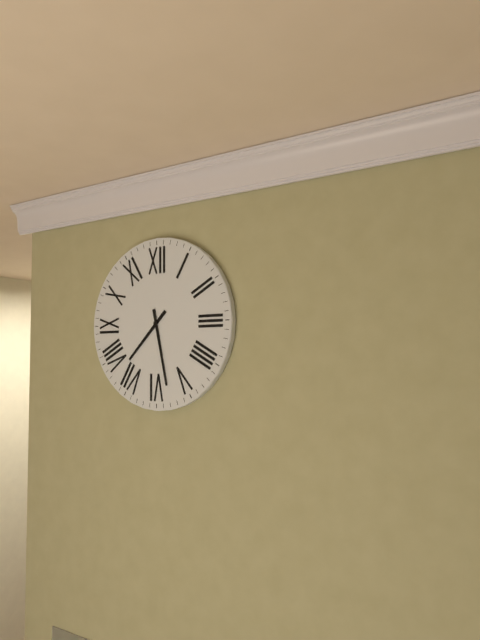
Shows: h=7 m=28
